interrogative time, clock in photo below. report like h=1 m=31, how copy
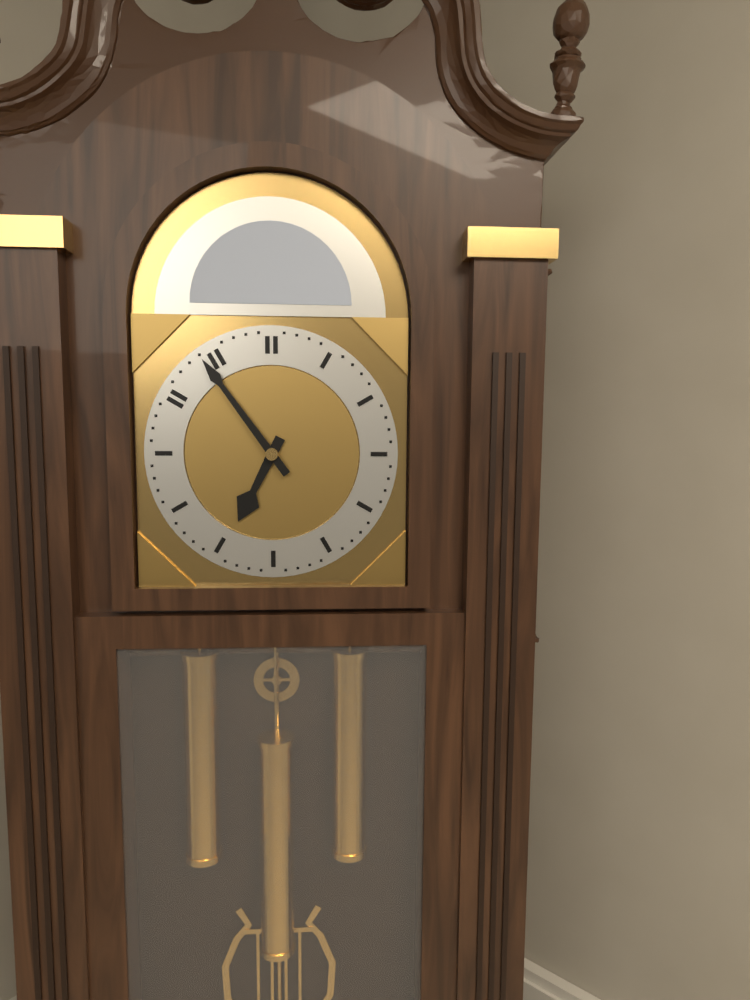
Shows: h=6 m=54
